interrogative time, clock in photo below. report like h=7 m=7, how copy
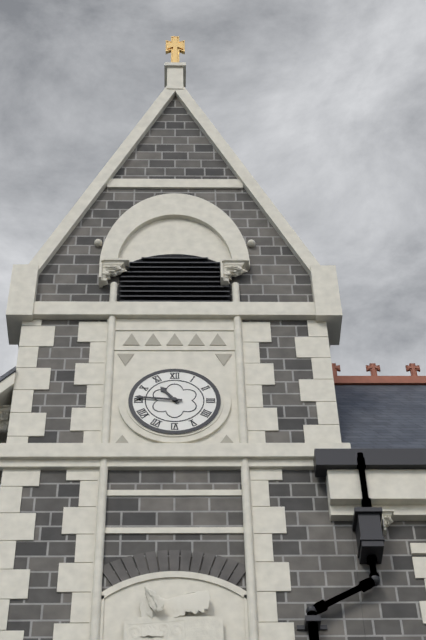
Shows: h=10 m=46
